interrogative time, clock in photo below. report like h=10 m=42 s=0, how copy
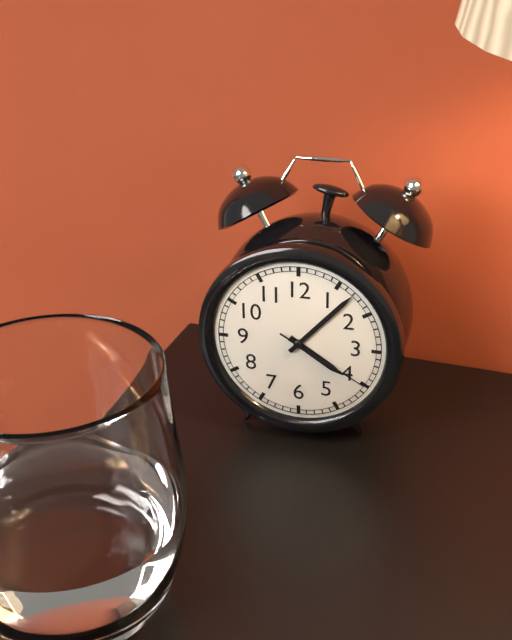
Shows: h=4 m=7 s=20
